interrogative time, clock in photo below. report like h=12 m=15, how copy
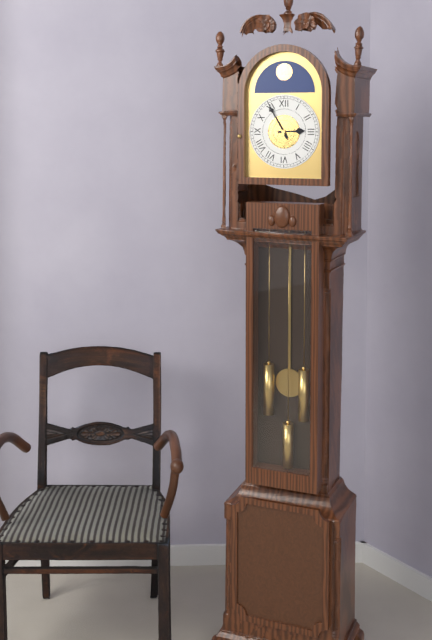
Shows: h=2 m=55
